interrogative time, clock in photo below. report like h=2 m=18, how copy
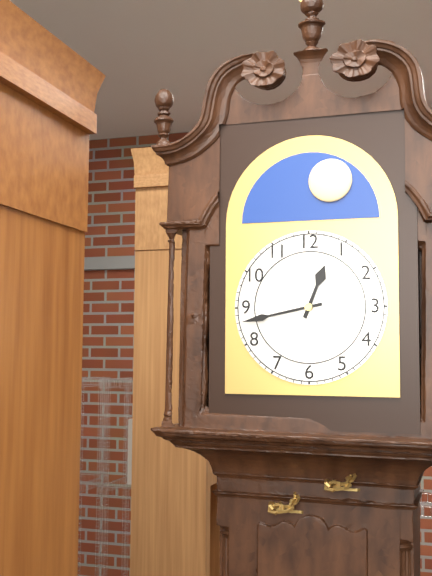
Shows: h=12 m=43
